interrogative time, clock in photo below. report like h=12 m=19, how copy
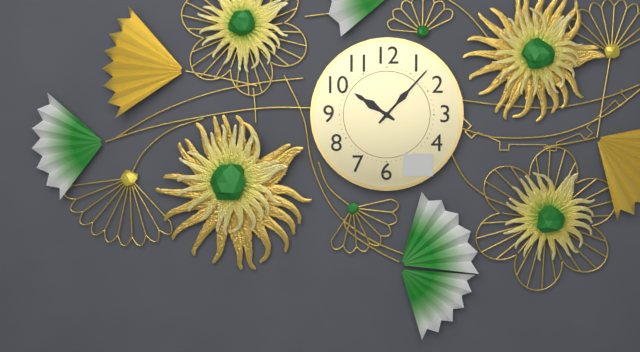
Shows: h=10 m=7
